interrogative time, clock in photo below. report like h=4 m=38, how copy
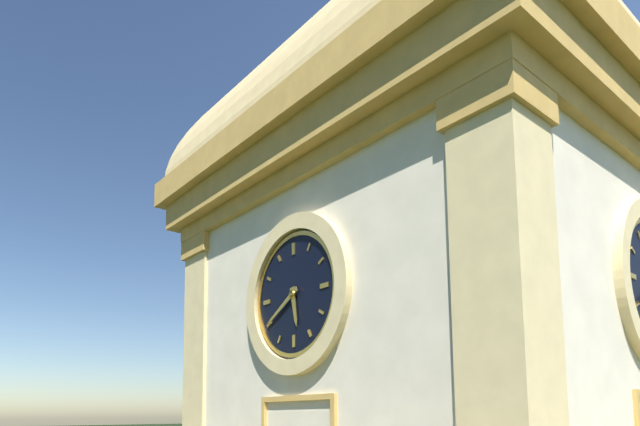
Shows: h=5 m=40
